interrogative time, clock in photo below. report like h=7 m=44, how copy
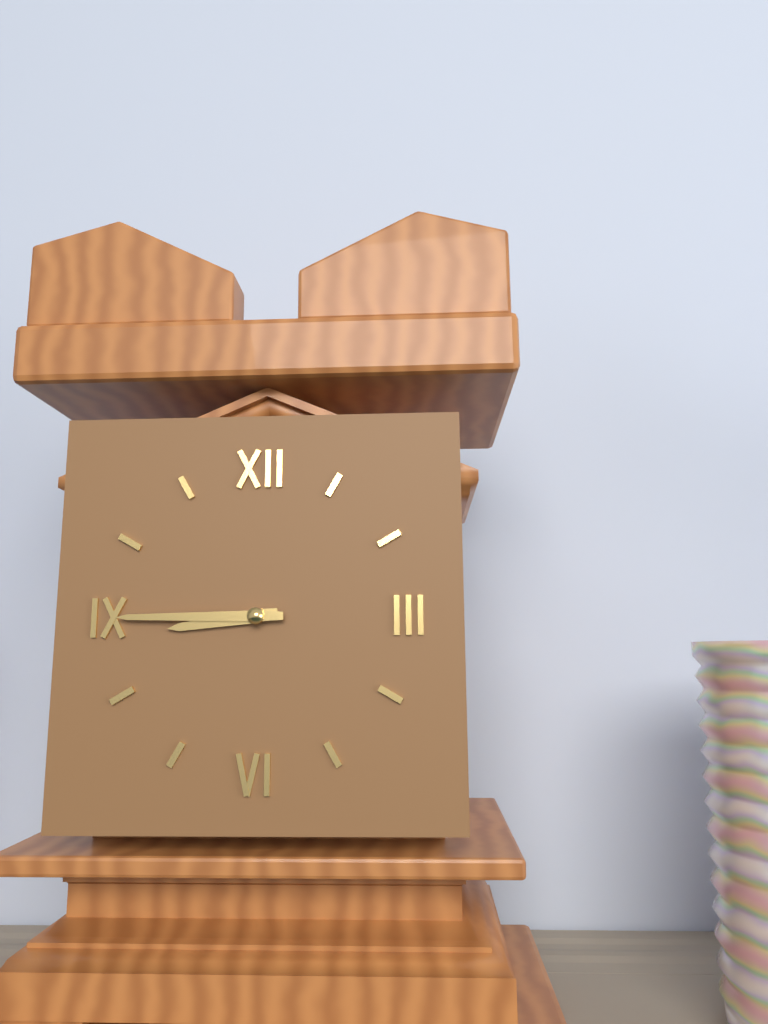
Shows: h=8 m=45
